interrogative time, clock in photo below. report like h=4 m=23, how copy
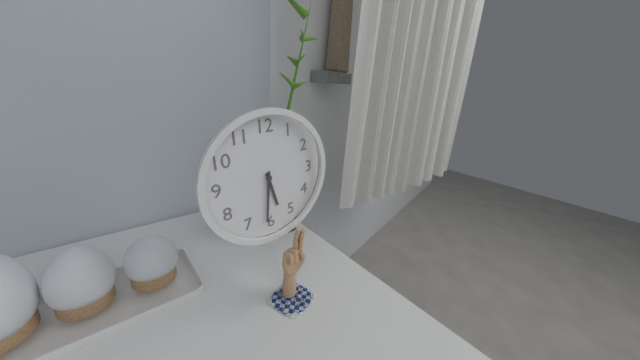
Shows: h=5 m=31
